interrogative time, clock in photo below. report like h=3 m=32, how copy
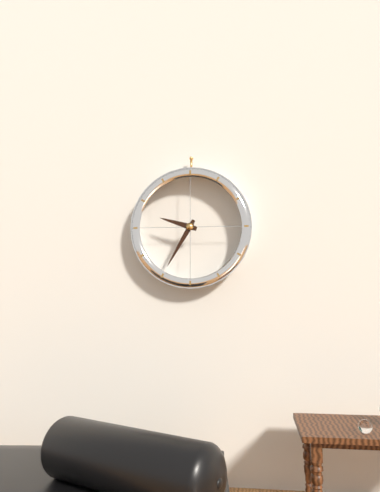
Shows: h=9 m=35
